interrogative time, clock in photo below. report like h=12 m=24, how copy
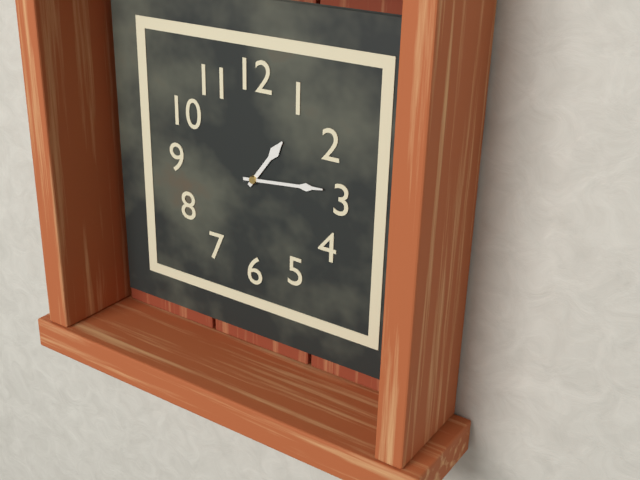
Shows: h=1 m=14
